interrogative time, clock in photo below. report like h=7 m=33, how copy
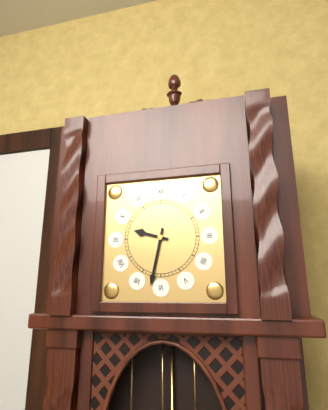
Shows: h=9 m=32
